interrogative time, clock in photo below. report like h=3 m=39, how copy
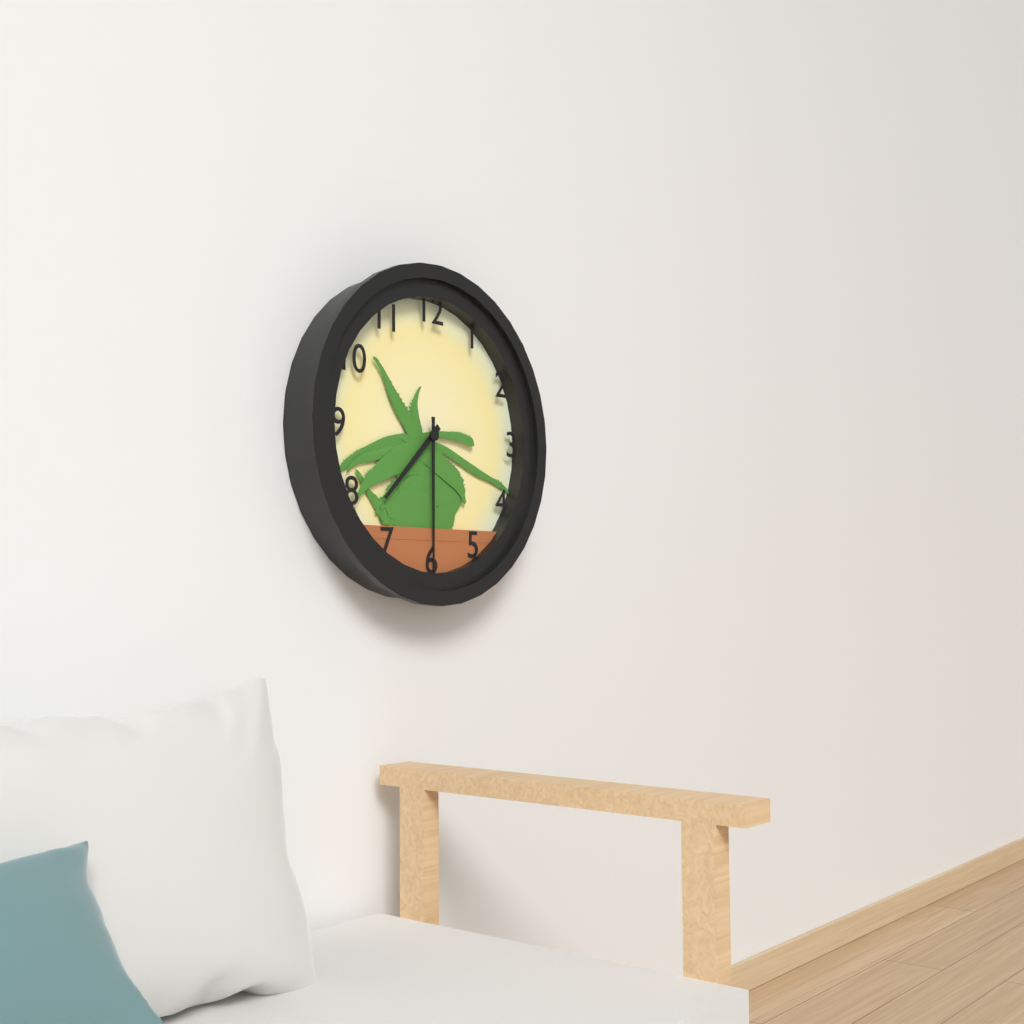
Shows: h=7 m=30
